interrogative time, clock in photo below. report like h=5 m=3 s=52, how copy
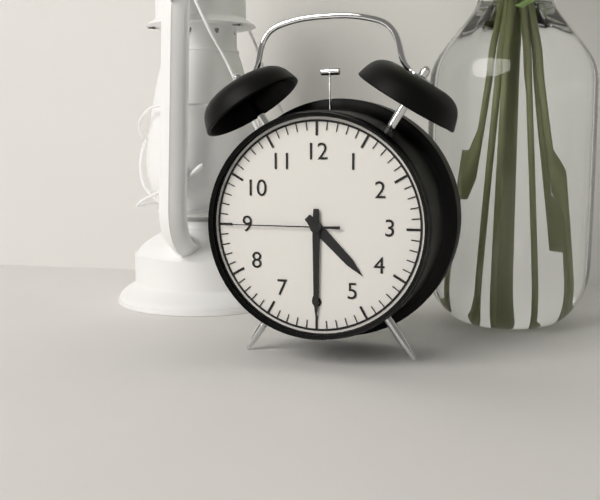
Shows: h=4 m=30 s=45
